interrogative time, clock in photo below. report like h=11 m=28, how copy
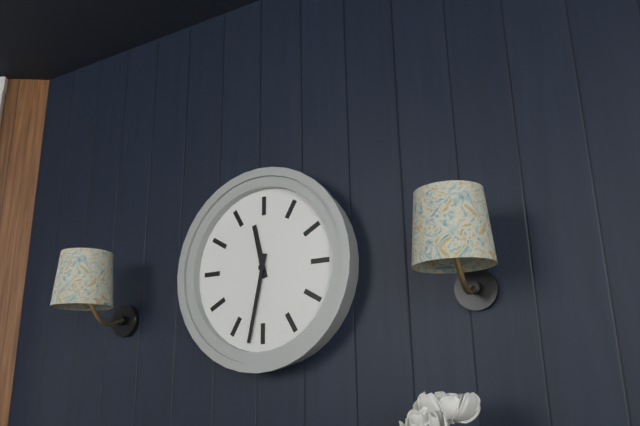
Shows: h=11 m=32
